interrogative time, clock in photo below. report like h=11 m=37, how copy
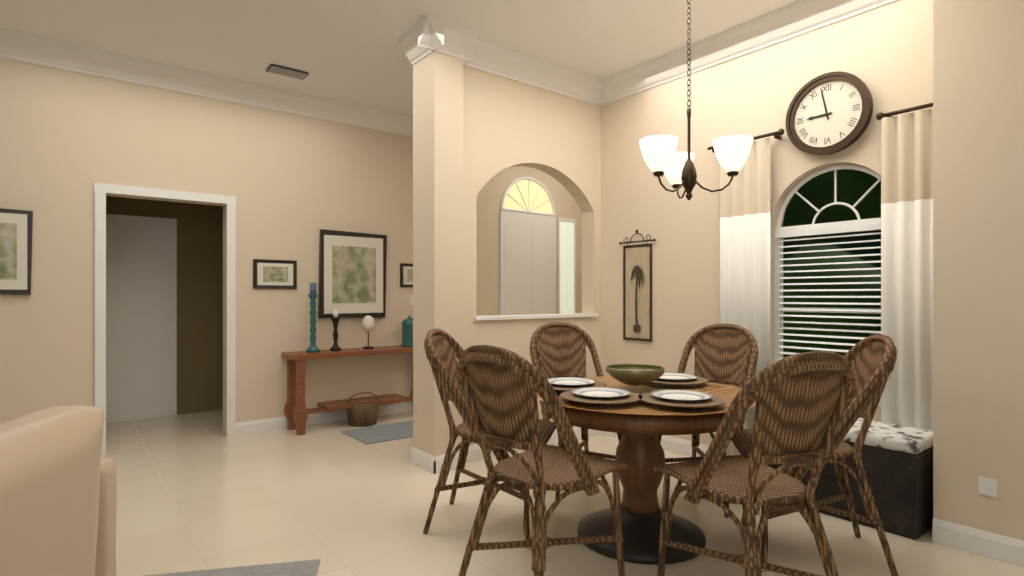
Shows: h=8 m=58
